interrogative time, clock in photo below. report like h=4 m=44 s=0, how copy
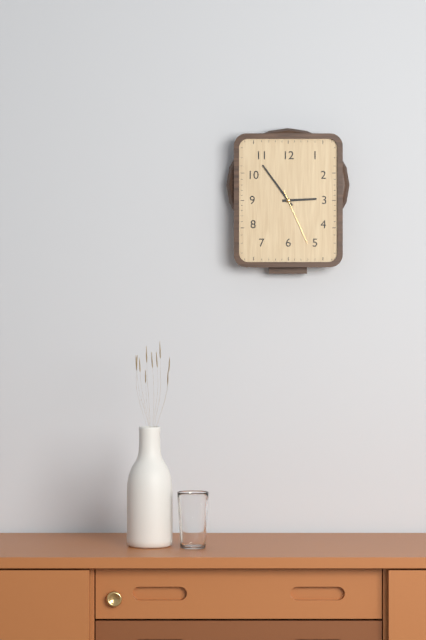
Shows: h=2 m=54 s=26
